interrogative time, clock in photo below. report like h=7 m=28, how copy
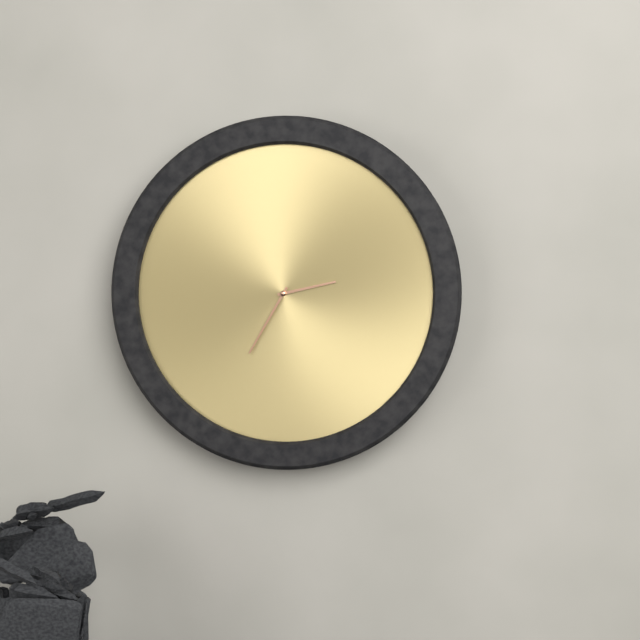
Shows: h=2 m=35
